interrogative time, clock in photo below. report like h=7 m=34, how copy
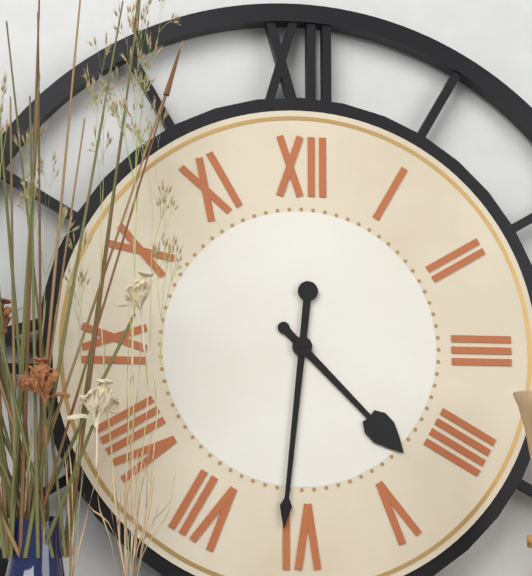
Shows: h=4 m=31
